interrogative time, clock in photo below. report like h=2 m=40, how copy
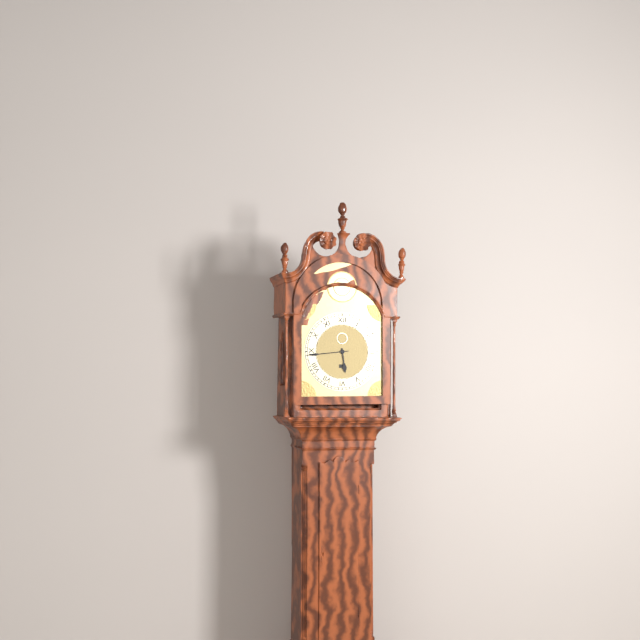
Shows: h=5 m=44
